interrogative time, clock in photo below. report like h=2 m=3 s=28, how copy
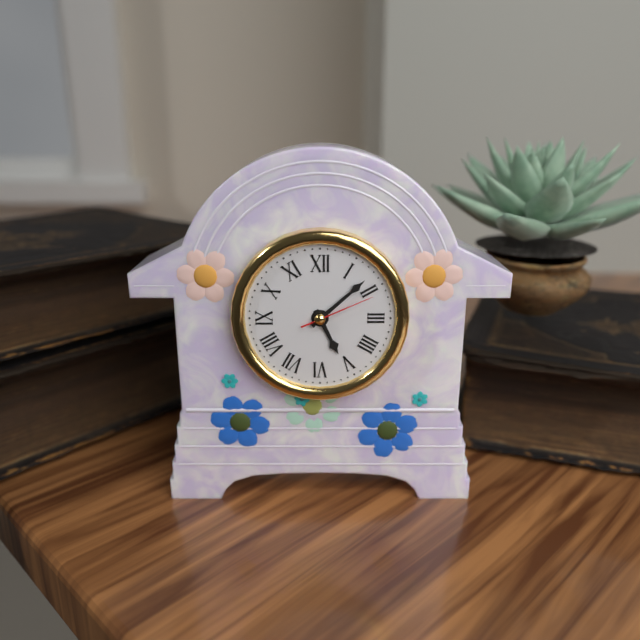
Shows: h=5 m=8 s=11
